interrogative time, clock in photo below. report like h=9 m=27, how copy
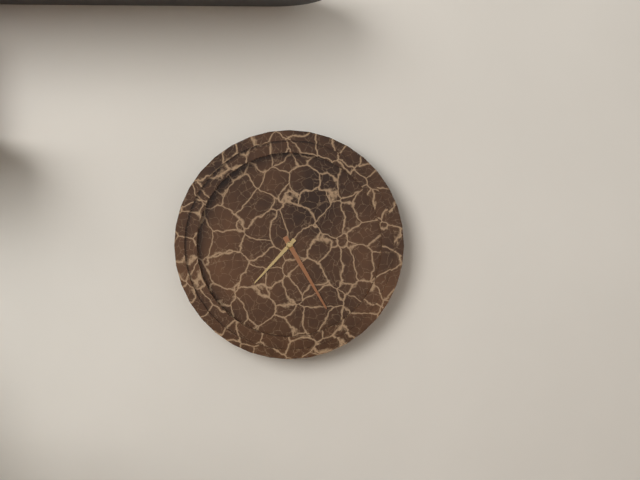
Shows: h=7 m=25
